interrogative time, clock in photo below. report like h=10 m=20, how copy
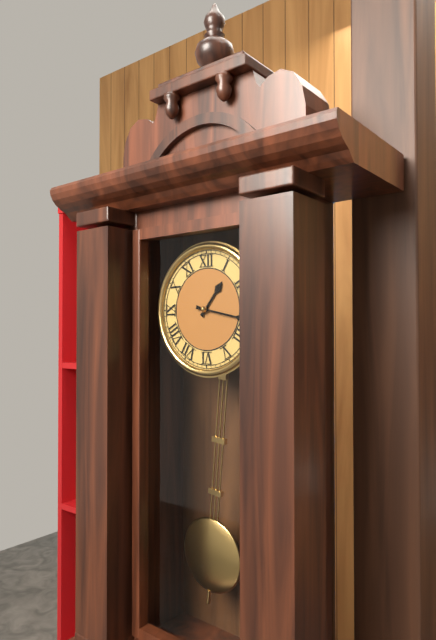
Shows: h=1 m=17
